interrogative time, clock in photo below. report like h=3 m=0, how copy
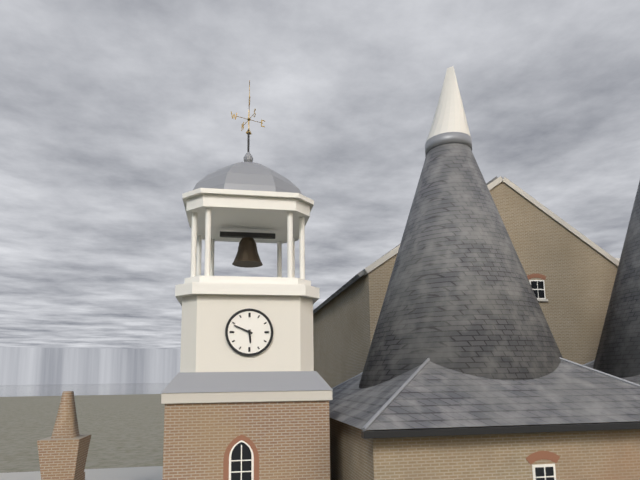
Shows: h=5 m=49
